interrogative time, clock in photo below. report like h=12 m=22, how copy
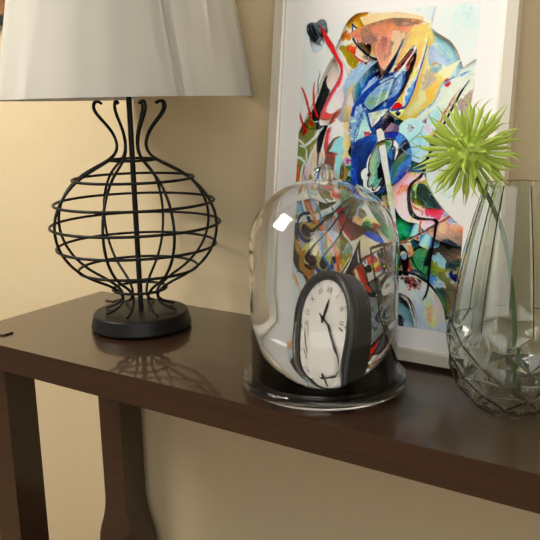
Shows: h=12 m=19
